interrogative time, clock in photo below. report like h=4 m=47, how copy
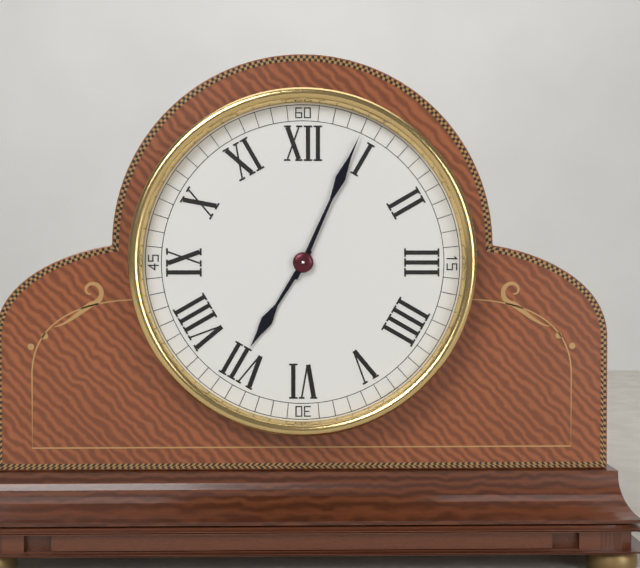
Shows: h=7 m=4
